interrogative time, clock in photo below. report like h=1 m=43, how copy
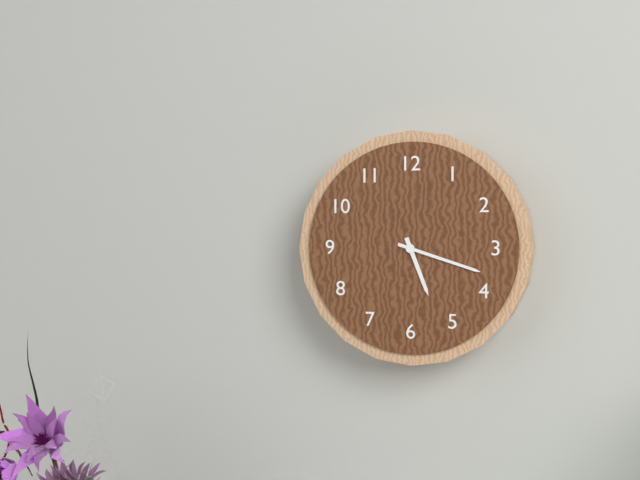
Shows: h=5 m=18
